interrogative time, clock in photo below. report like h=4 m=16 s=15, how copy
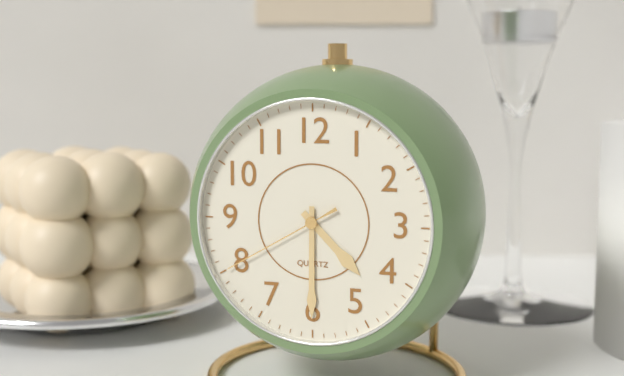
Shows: h=4 m=30 s=40
